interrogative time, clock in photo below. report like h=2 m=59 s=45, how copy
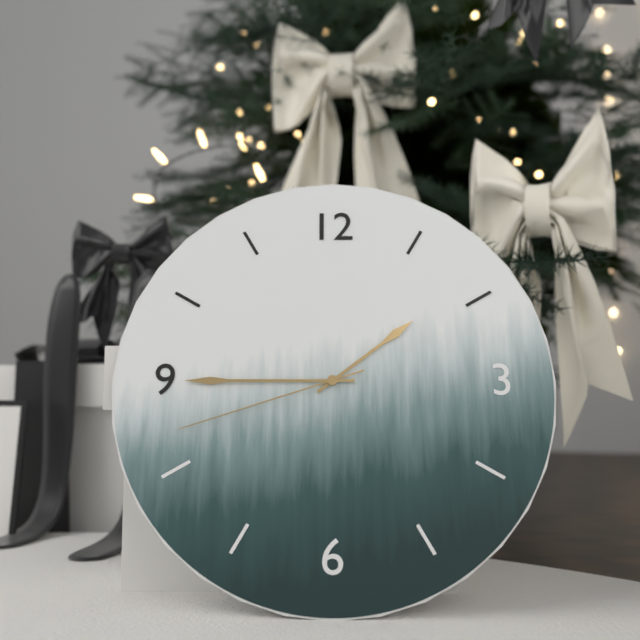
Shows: h=1 m=45 s=42
